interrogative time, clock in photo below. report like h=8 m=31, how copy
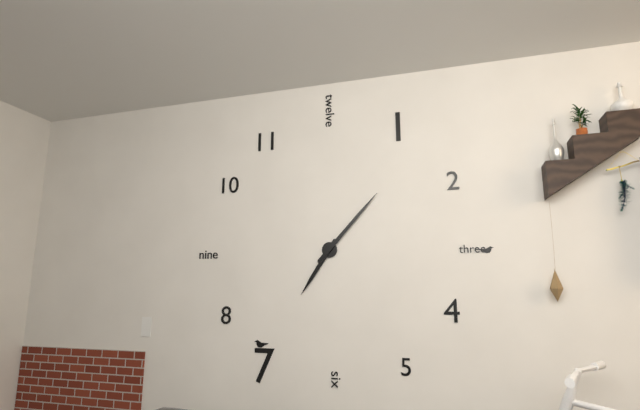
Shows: h=7 m=7
